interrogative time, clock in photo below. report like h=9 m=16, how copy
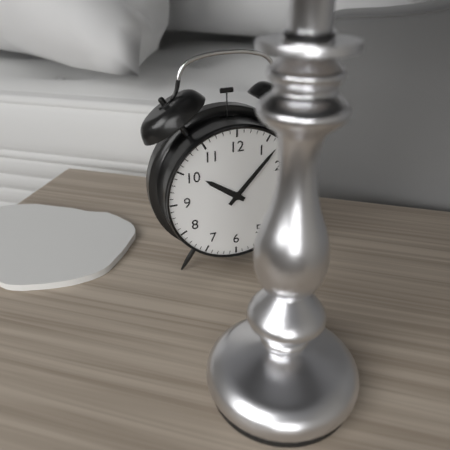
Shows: h=10 m=7
